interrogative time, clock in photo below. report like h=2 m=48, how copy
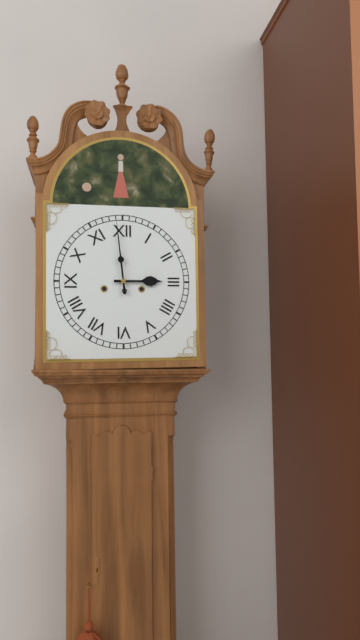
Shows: h=2 m=59
